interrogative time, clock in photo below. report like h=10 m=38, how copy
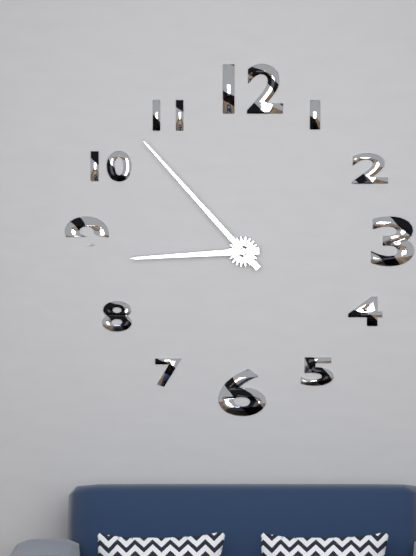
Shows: h=8 m=53
